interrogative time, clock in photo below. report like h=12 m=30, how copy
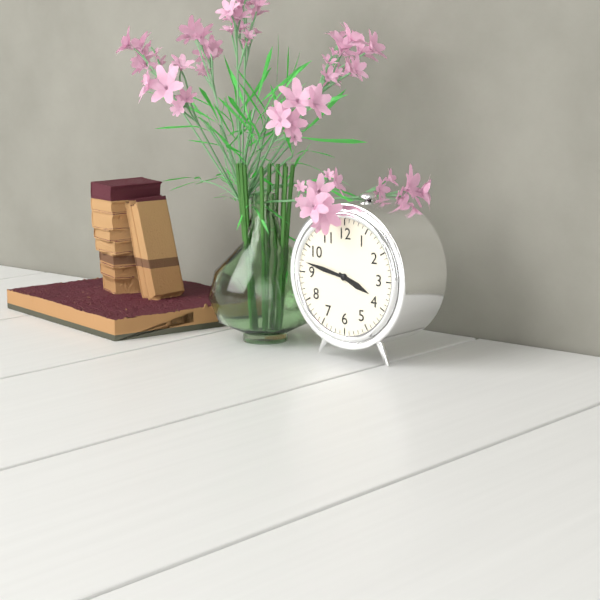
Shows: h=3 m=47
